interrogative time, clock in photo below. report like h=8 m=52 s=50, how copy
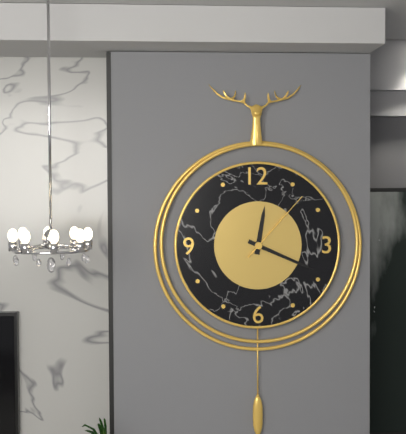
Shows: h=12 m=19 s=7
